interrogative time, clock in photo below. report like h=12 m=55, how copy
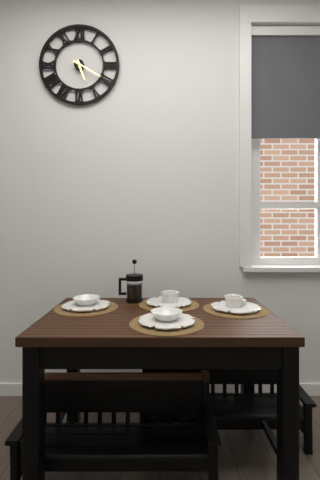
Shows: h=5 m=20
